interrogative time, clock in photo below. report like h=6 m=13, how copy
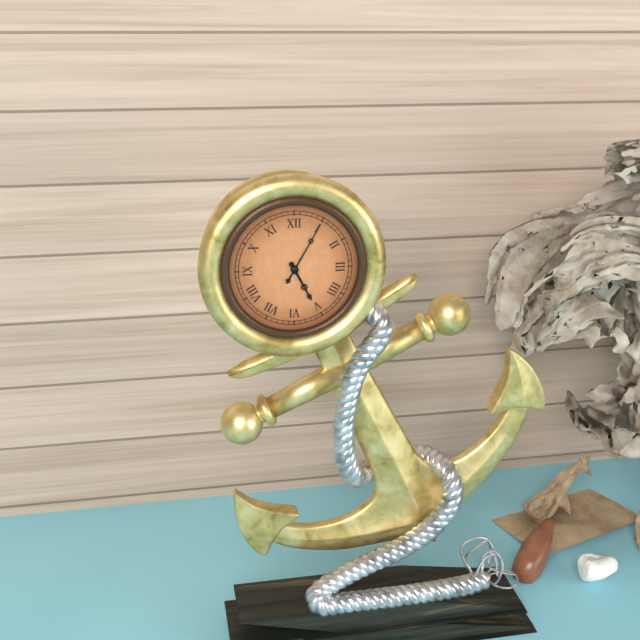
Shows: h=5 m=5
